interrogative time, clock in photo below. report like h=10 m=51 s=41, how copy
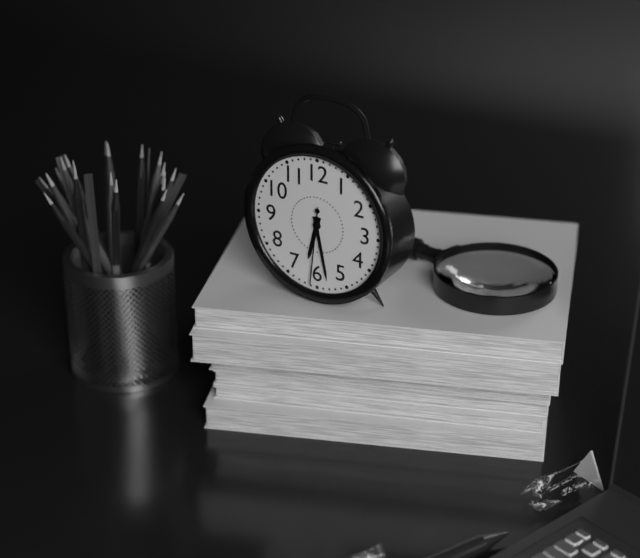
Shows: h=6 m=28 s=31
